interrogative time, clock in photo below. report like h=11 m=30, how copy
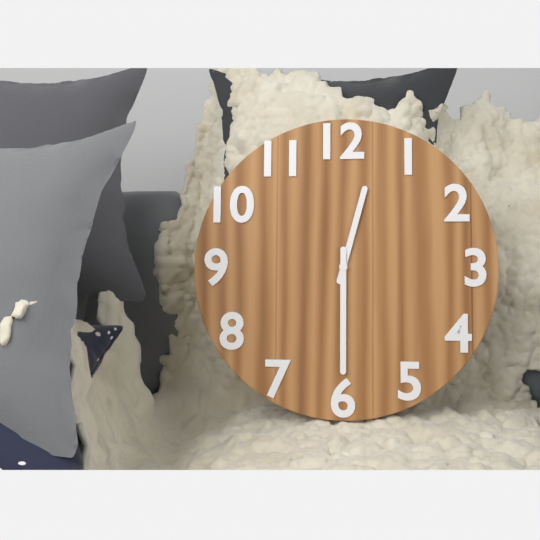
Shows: h=12 m=30
